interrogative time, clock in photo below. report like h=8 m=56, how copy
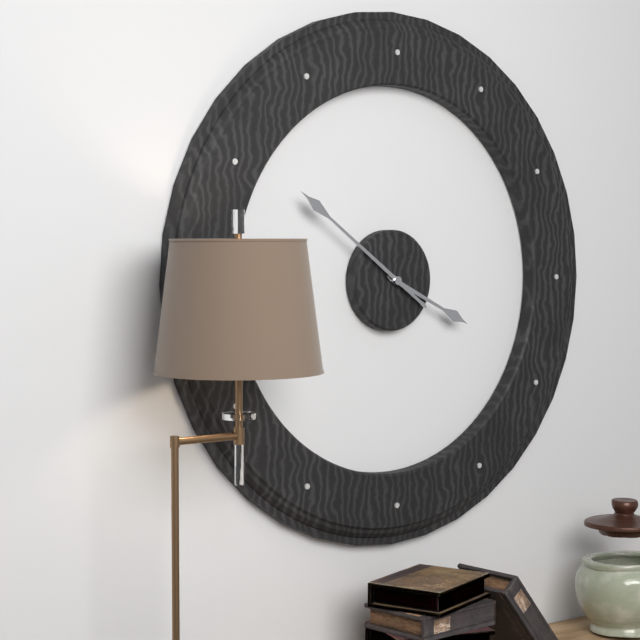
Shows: h=3 m=51
